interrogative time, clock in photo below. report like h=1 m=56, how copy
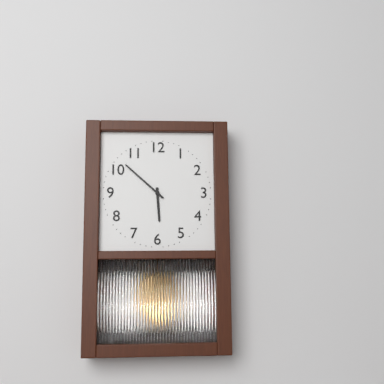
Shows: h=5 m=52
